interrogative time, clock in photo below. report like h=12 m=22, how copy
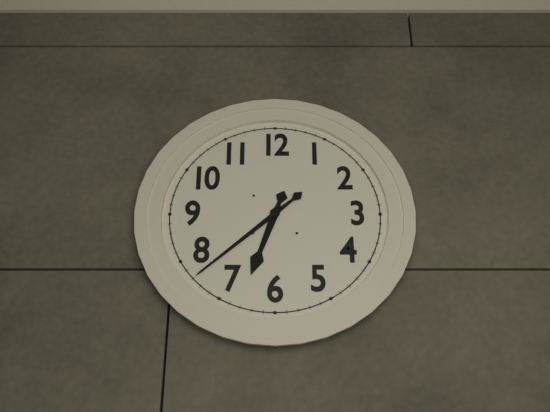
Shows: h=6 m=38
